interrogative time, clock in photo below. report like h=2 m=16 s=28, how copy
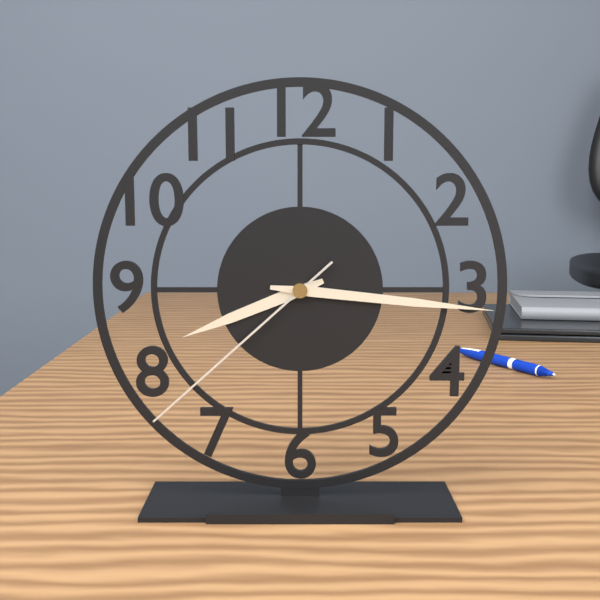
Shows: h=8 m=16 s=38
